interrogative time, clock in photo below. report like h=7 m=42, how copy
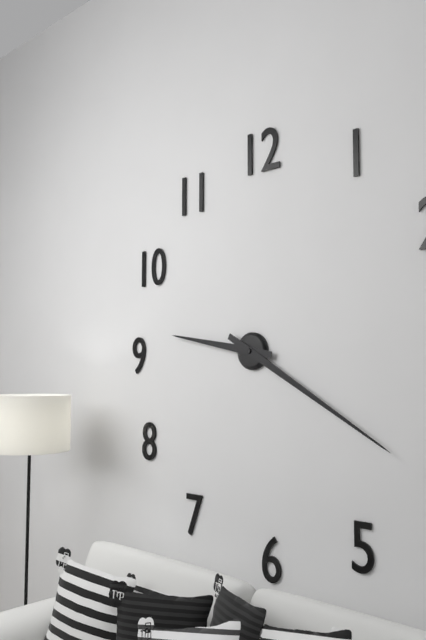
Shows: h=9 m=20
